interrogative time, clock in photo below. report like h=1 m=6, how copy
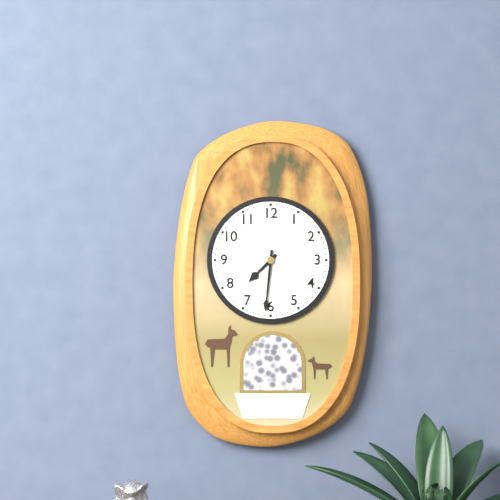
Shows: h=7 m=31
